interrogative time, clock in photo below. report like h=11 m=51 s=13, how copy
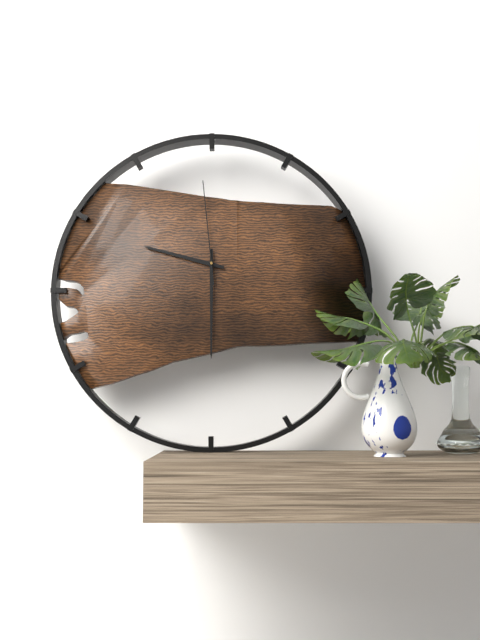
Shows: h=9 m=30 s=59
